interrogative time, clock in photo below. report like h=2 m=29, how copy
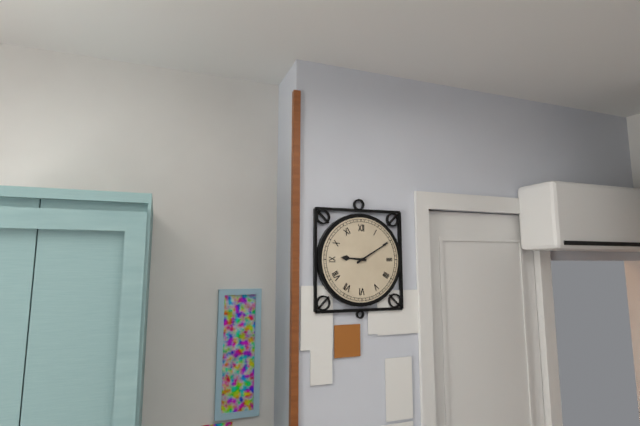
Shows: h=9 m=10
